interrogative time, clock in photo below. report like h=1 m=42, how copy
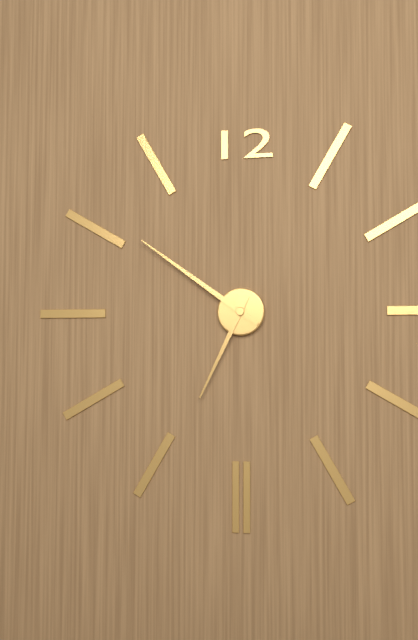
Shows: h=6 m=51
